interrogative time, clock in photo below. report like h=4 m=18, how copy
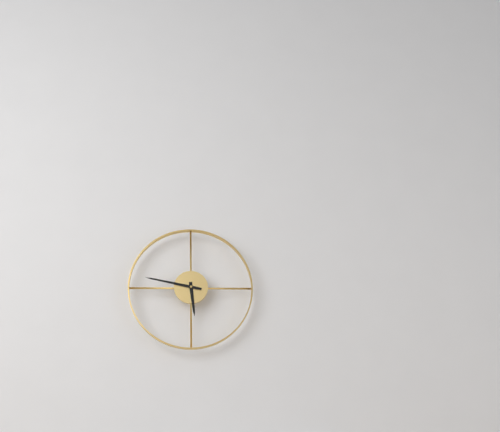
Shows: h=5 m=47
